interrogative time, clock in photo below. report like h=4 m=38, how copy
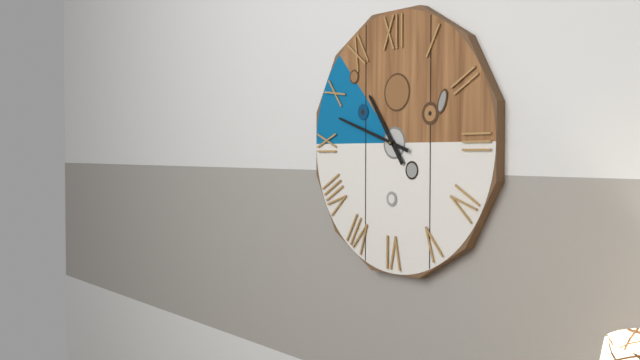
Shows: h=10 m=48
